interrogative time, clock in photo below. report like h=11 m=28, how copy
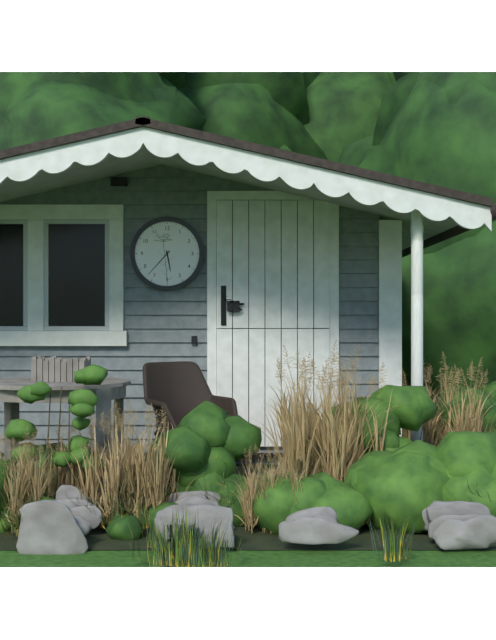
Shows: h=5 m=37
